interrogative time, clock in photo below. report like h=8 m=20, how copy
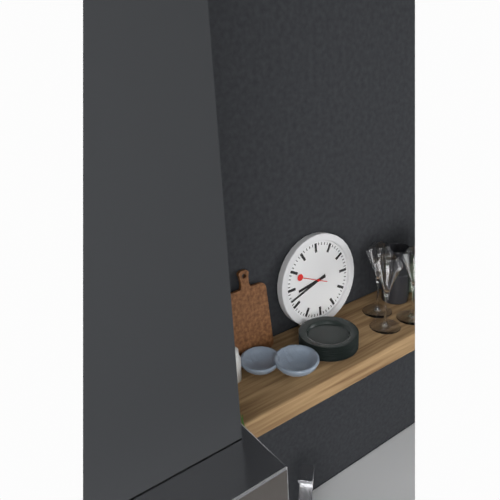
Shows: h=8 m=42
